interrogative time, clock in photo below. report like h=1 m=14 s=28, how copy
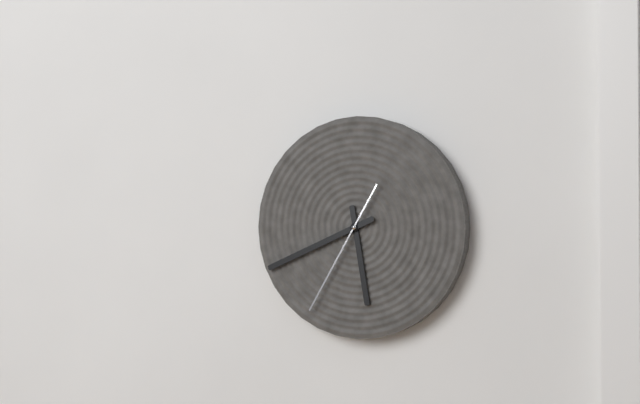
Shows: h=5 m=41 s=35
